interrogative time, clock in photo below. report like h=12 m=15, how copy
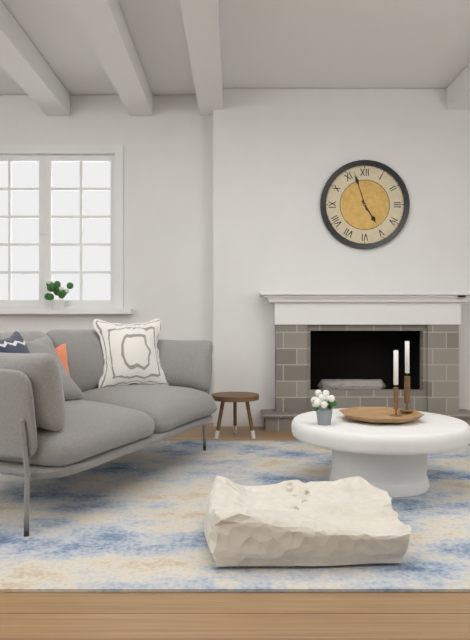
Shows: h=4 m=57
